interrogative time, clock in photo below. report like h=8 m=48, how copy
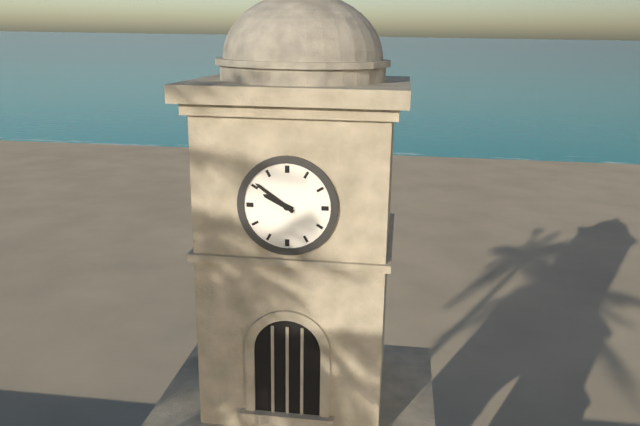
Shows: h=9 m=51
